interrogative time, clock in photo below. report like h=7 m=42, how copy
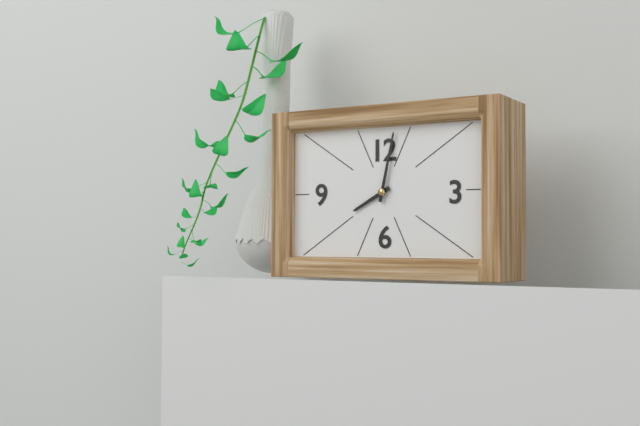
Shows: h=8 m=2
